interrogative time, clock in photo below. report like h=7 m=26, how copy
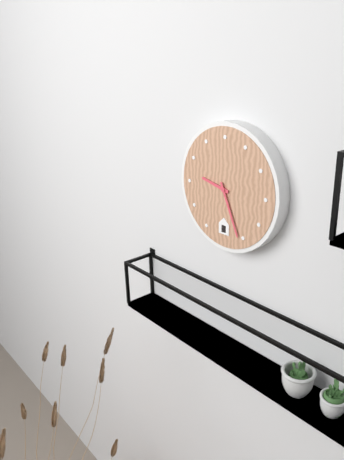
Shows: h=9 m=26
